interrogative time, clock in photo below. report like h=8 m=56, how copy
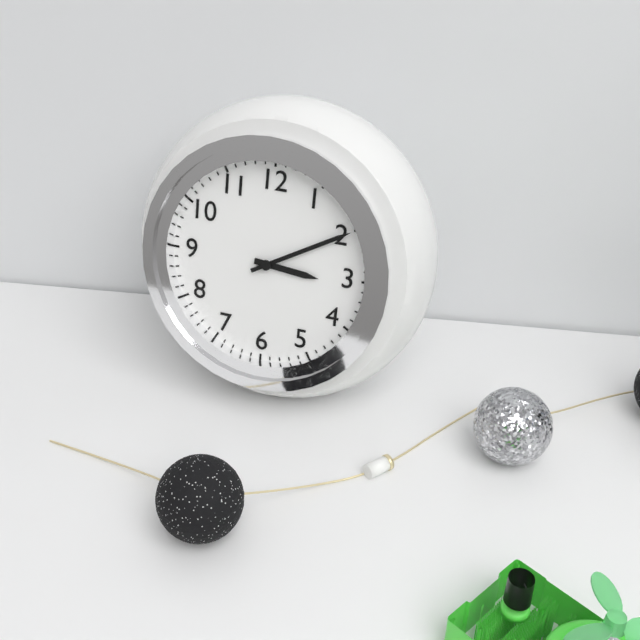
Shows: h=3 m=10
